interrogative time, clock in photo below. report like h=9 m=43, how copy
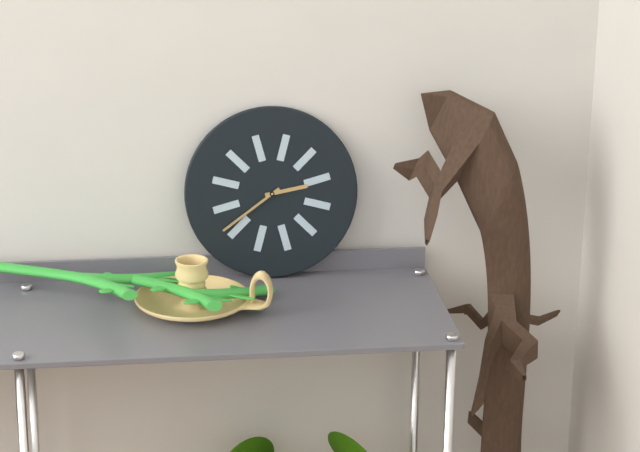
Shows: h=2 m=39
